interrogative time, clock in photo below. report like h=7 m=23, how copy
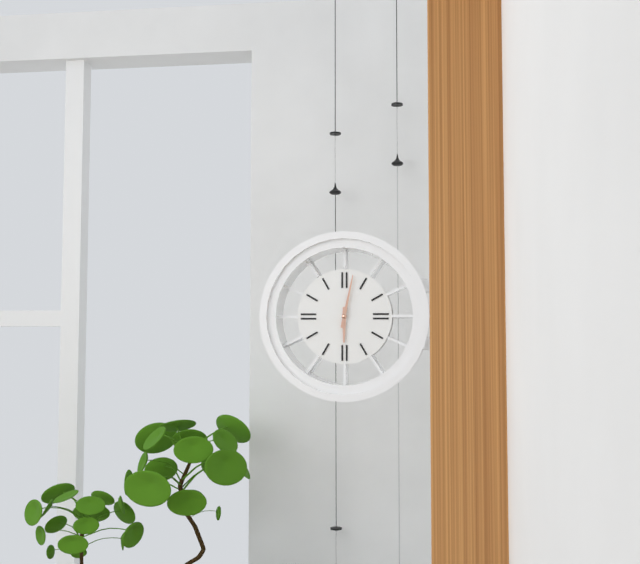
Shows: h=6 m=2
